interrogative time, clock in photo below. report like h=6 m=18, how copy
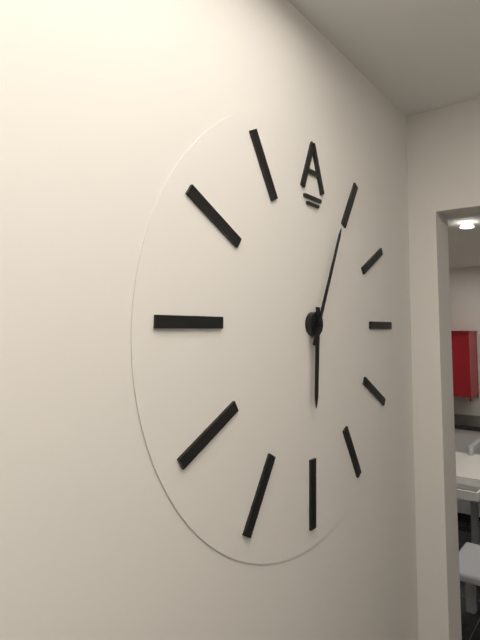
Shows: h=6 m=4
